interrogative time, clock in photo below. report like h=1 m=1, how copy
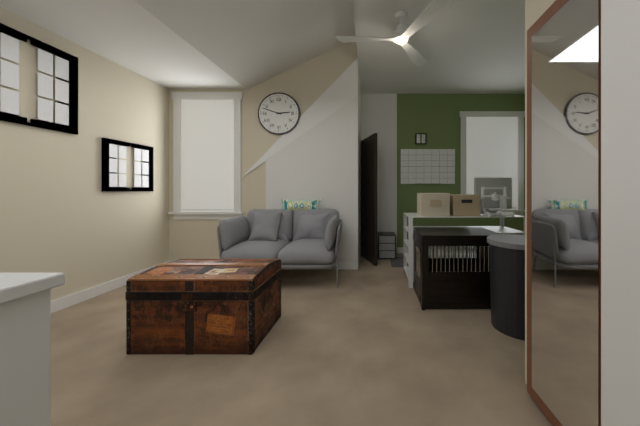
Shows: h=2 m=48
